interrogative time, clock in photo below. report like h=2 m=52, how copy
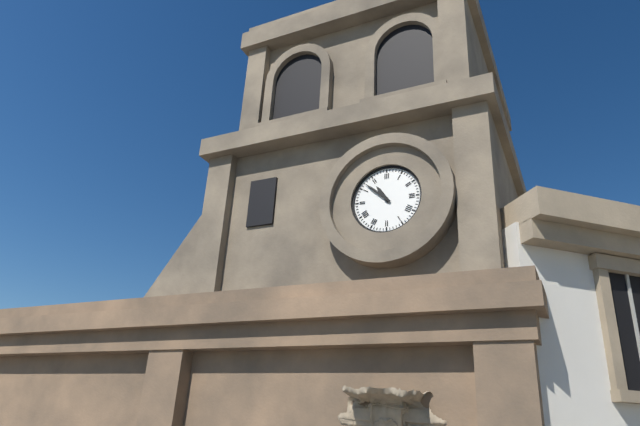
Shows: h=10 m=52
